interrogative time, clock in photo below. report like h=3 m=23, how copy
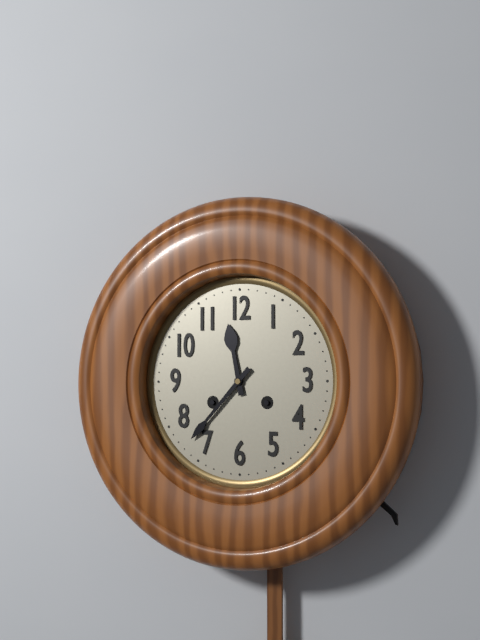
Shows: h=11 m=37
